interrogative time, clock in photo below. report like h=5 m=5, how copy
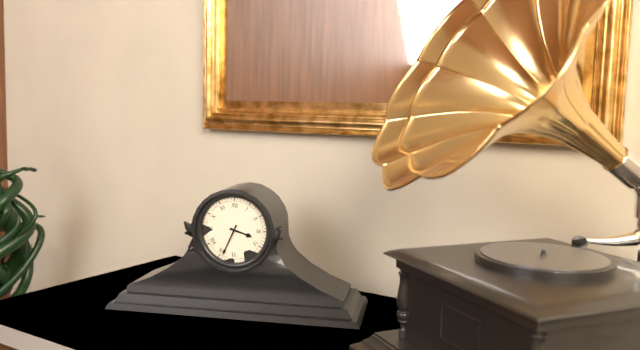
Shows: h=3 m=34
